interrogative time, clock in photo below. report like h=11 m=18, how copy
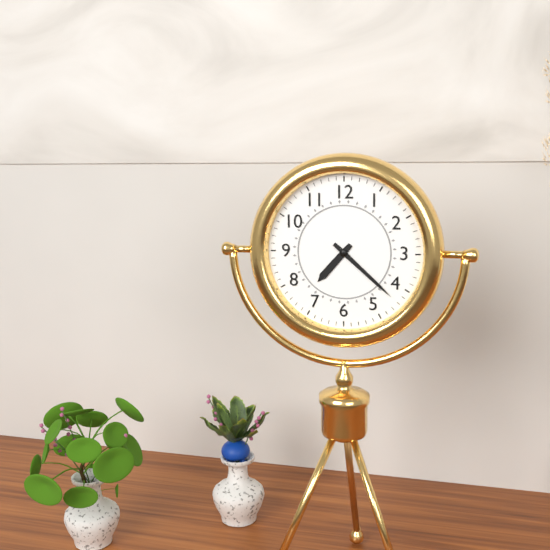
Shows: h=7 m=22
